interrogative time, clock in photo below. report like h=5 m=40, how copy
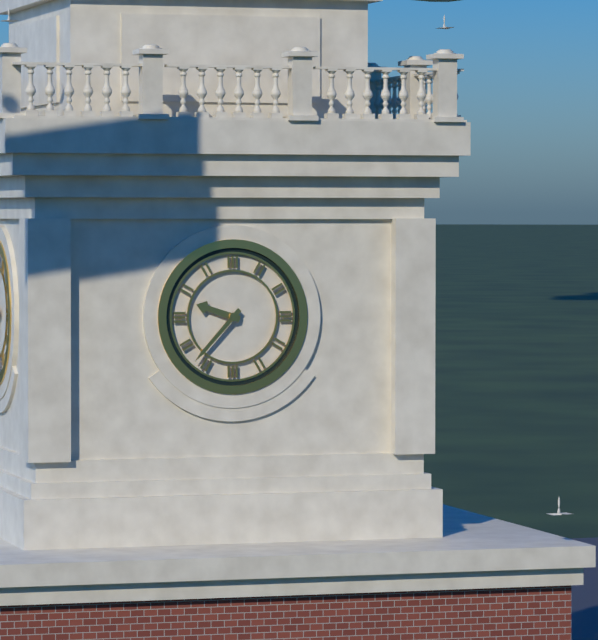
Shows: h=9 m=37
